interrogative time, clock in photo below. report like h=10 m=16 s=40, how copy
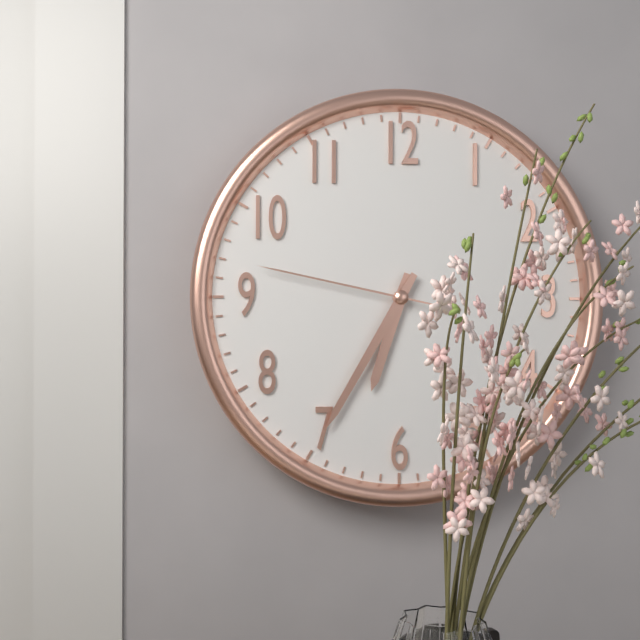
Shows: h=6 m=35 s=47
